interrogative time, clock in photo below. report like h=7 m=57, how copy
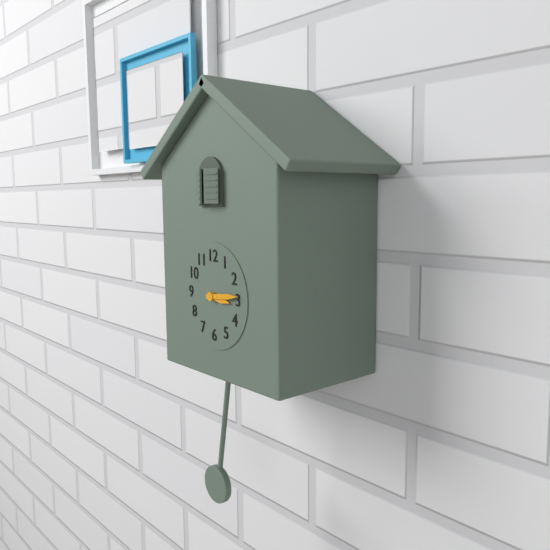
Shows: h=3 m=14
